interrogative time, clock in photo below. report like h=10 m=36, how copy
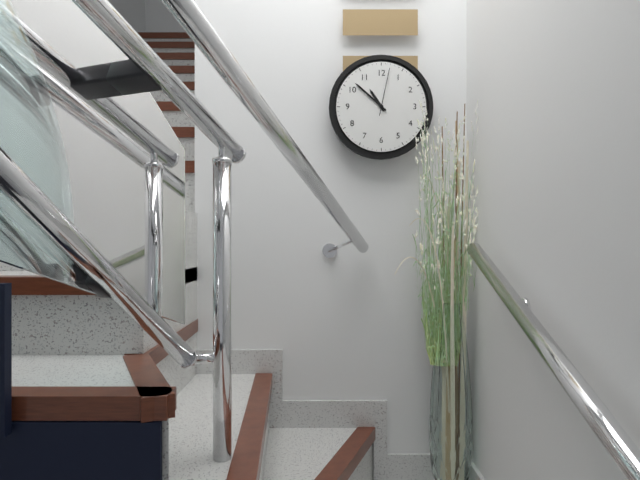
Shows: h=10 m=52
